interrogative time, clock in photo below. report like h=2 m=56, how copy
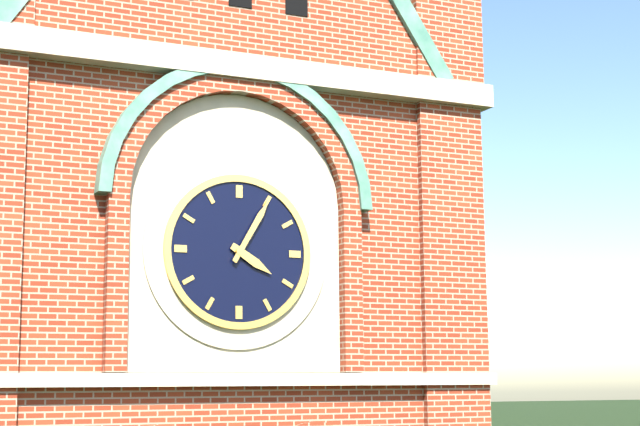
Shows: h=4 m=5
